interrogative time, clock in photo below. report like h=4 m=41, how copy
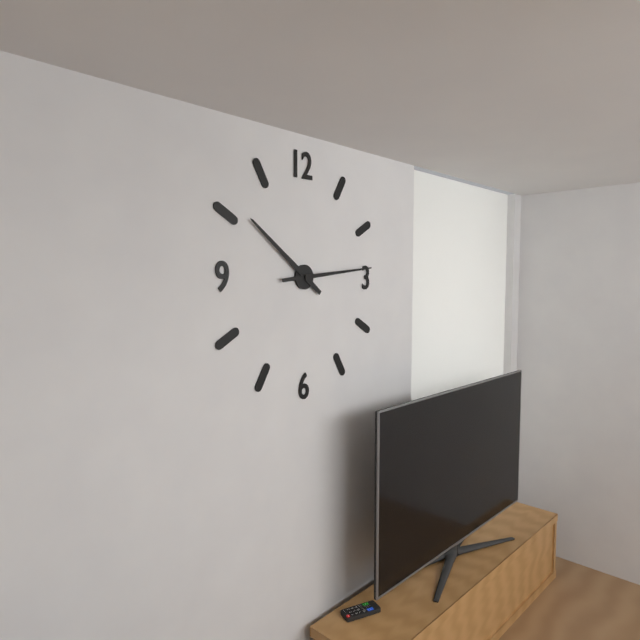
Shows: h=10 m=14
